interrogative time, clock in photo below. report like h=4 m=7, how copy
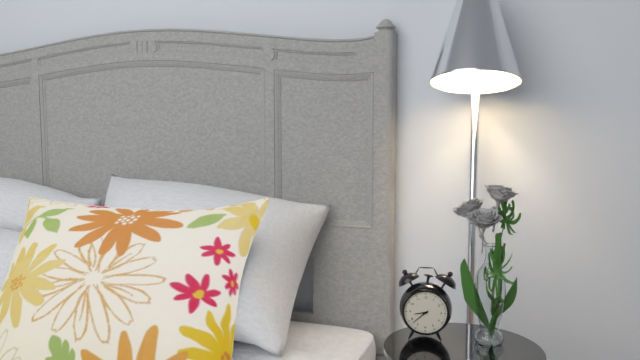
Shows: h=8 m=38
